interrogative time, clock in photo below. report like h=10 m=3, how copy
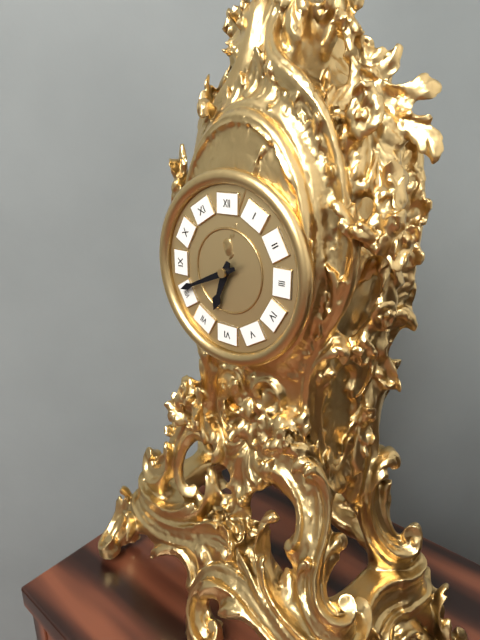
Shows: h=6 m=41
